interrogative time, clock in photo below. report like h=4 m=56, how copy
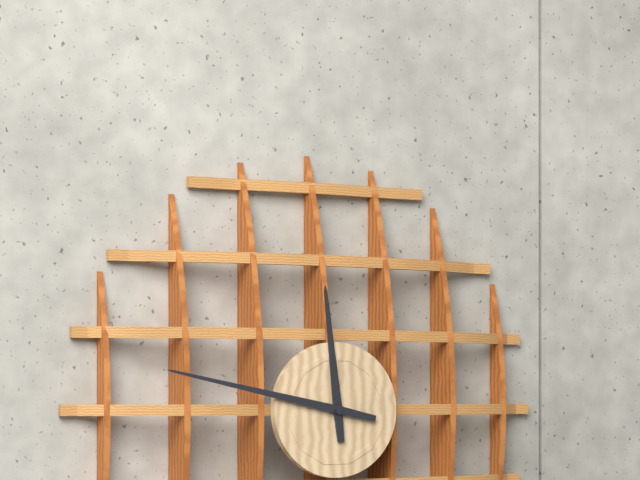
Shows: h=11 m=47
